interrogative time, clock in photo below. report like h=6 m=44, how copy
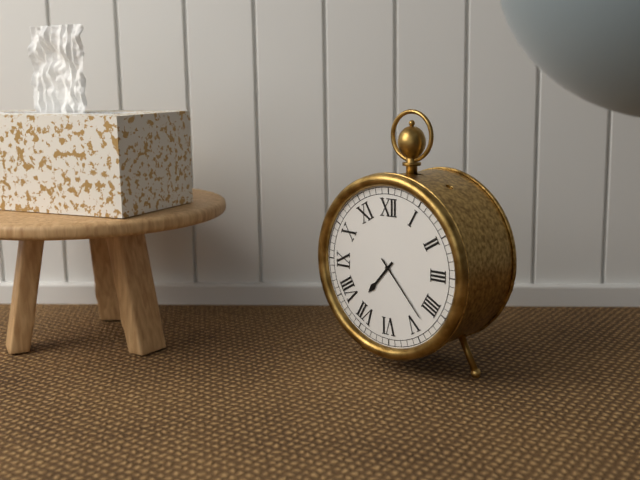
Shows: h=7 m=23
